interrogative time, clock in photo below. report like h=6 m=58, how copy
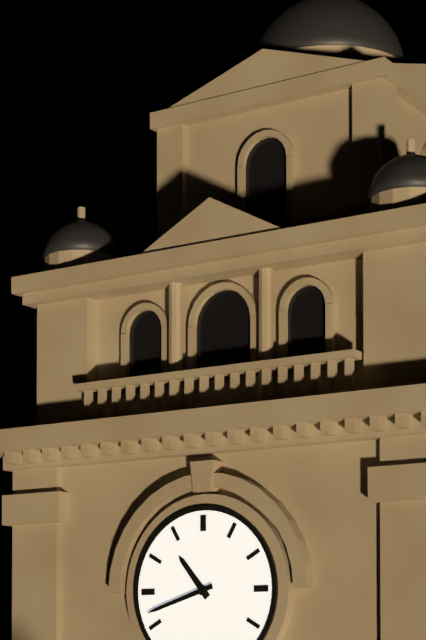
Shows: h=10 m=42
